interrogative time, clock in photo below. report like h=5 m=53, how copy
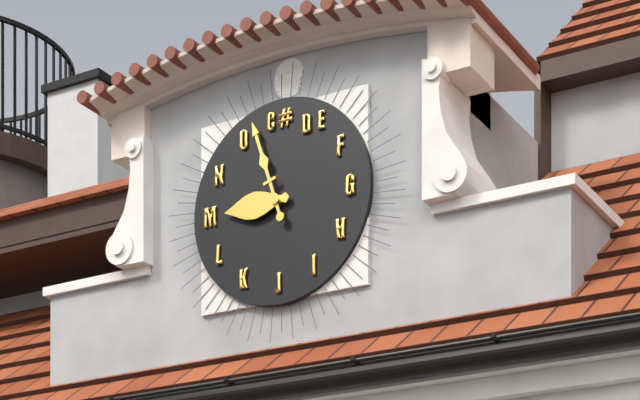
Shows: h=8 m=57
